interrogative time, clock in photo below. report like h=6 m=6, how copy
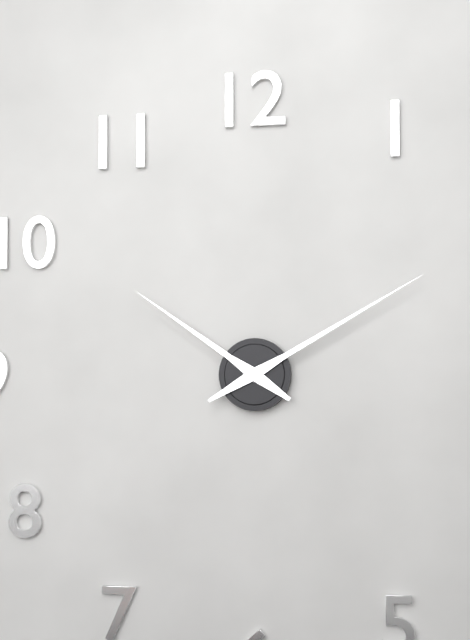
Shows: h=10 m=10
